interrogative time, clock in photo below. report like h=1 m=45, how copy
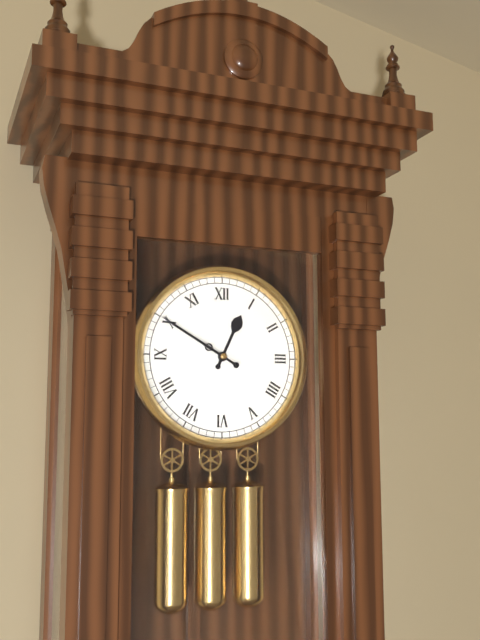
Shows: h=12 m=50
